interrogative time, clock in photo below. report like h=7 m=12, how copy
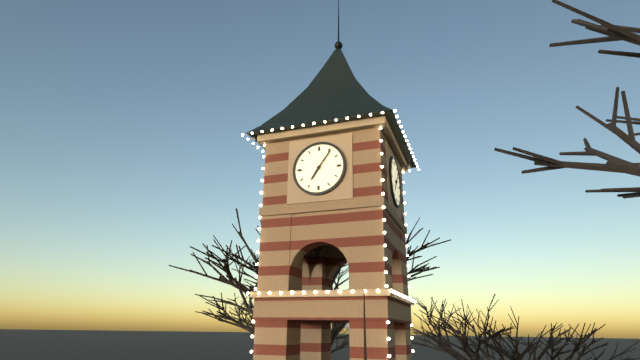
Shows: h=7 m=6
